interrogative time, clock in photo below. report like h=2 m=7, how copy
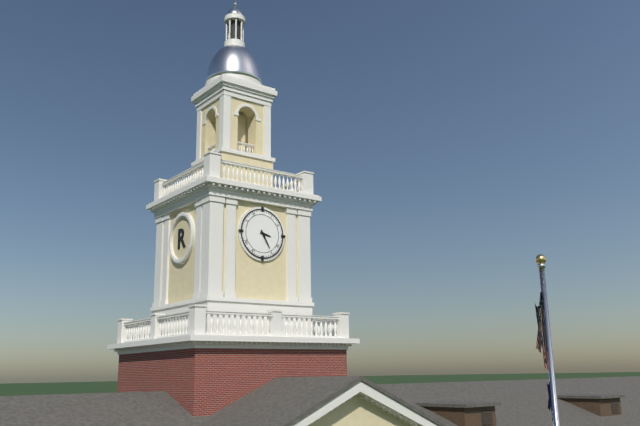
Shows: h=3 m=25
